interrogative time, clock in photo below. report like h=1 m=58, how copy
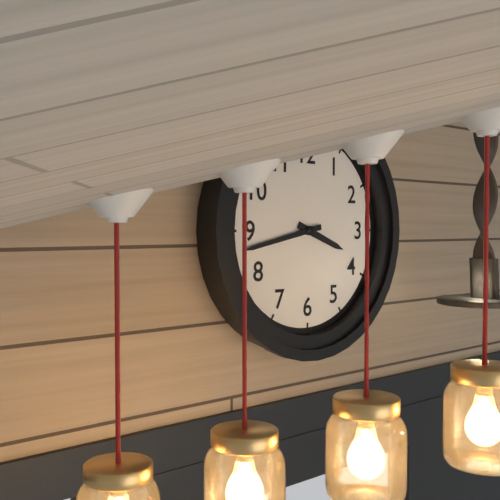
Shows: h=3 m=43
